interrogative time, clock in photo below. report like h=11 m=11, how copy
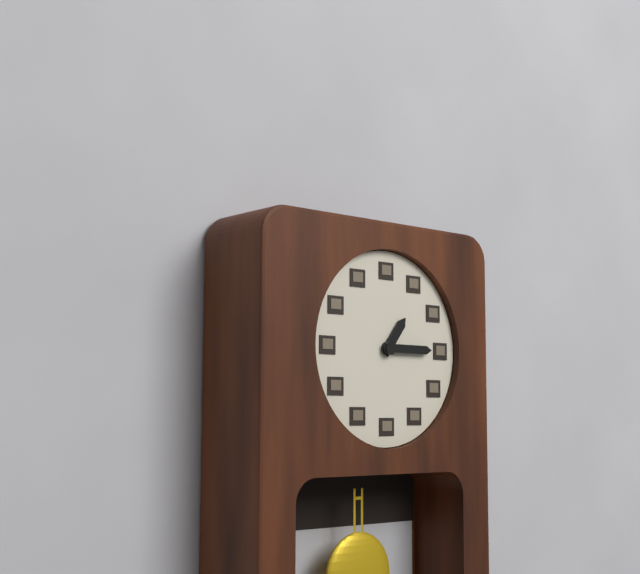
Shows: h=1 m=15
